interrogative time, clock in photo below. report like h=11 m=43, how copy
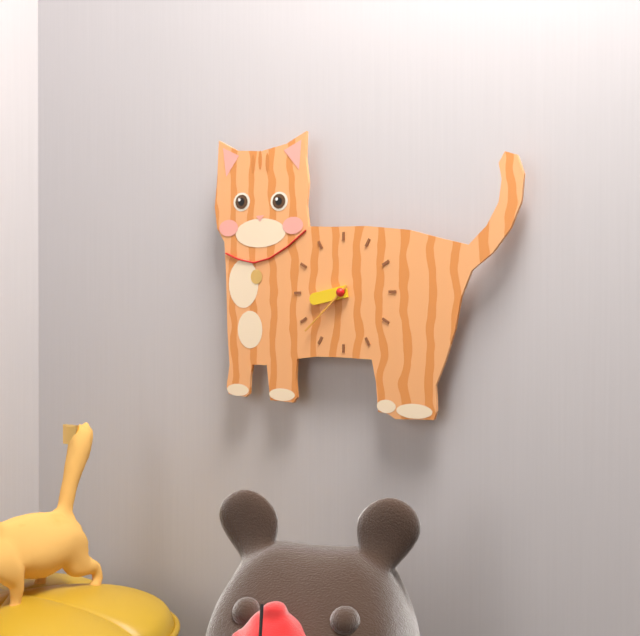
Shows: h=8 m=38
